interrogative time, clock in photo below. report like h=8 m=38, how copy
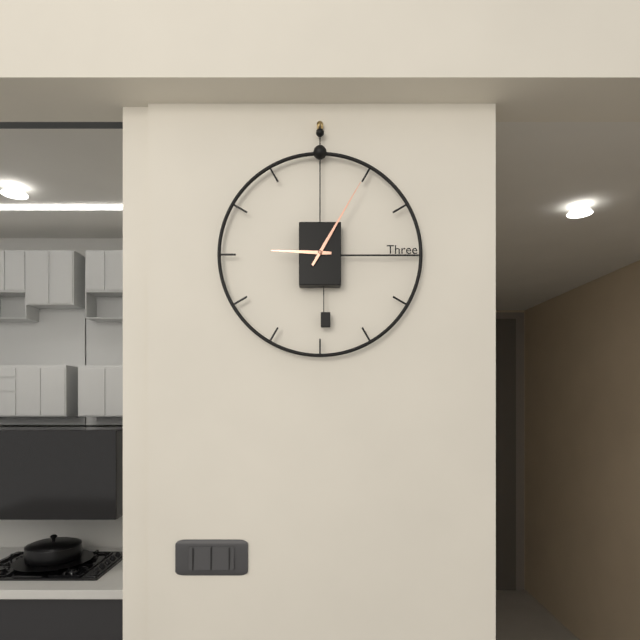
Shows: h=9 m=5
